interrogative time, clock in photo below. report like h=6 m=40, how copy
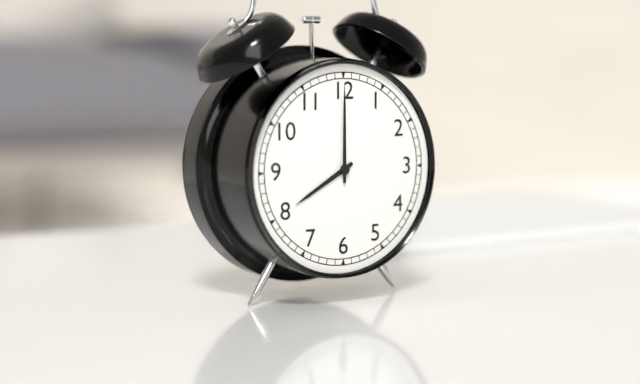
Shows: h=8 m=0
